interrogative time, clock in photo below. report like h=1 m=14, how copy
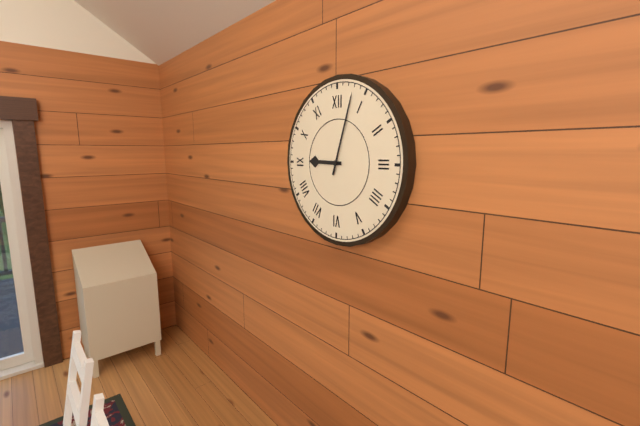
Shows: h=9 m=3
